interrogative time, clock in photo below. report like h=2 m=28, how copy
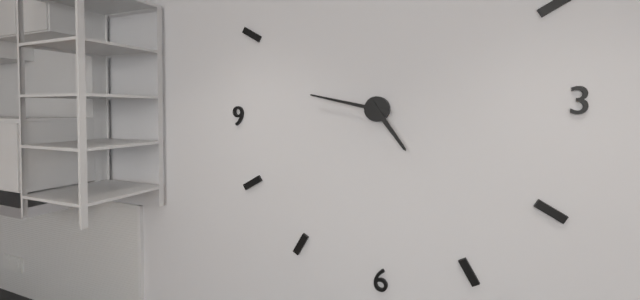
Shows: h=4 m=47
